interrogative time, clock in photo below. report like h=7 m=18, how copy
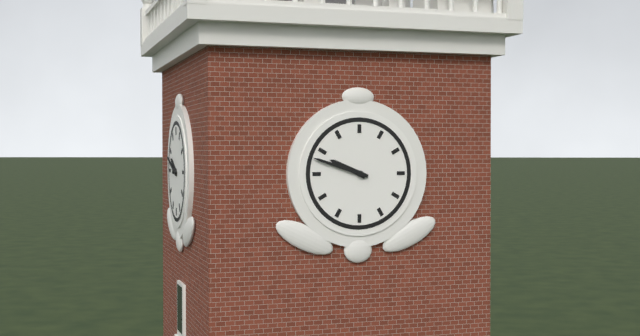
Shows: h=9 m=48
